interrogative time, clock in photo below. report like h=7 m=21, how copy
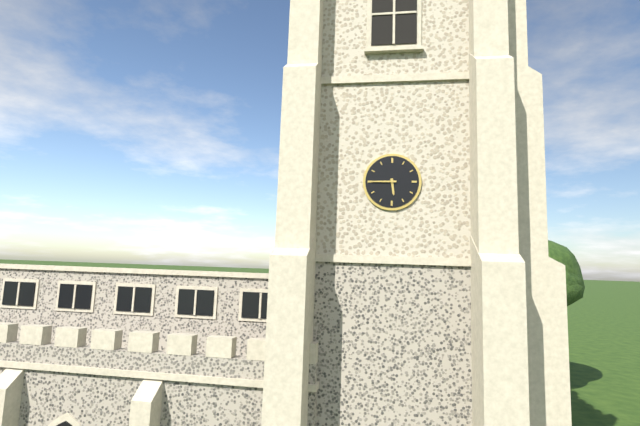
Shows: h=5 m=45
